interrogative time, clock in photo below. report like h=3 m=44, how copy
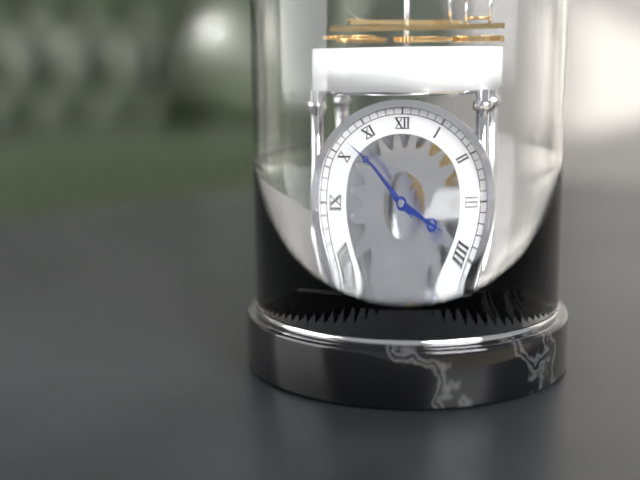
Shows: h=3 m=52
